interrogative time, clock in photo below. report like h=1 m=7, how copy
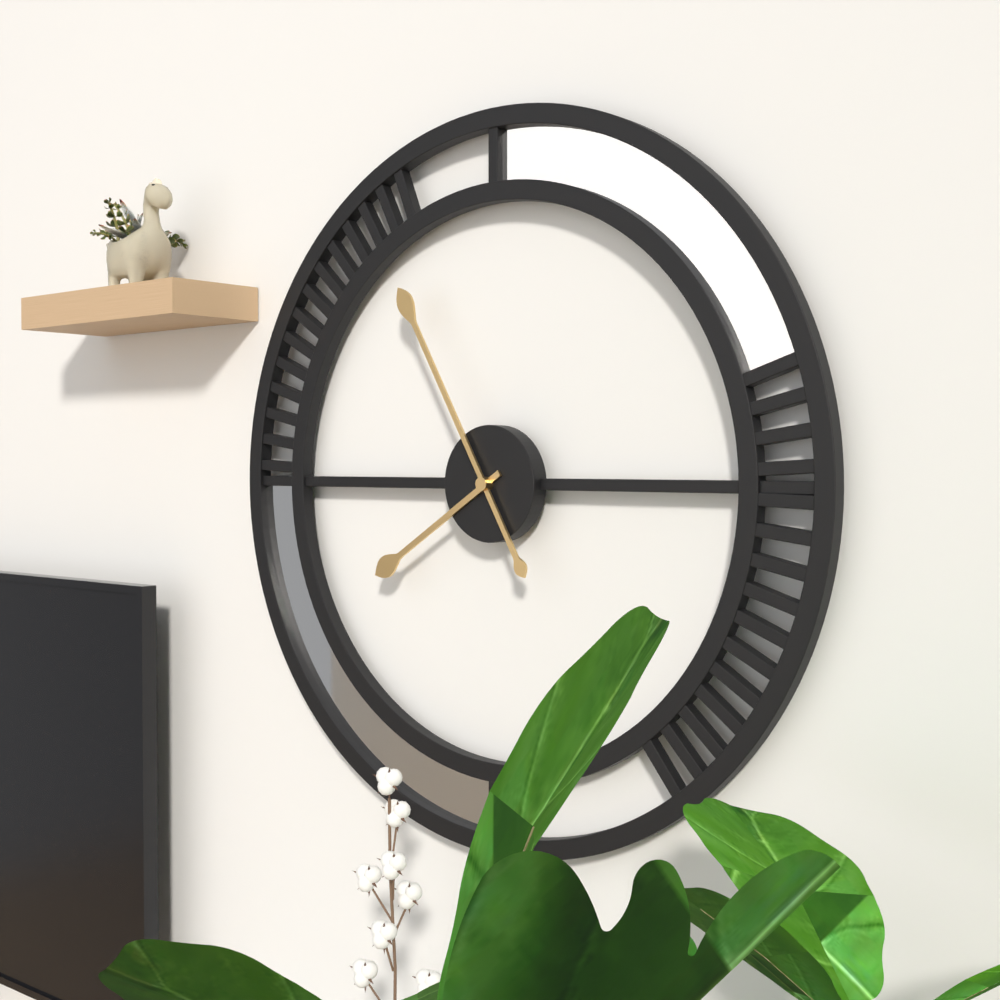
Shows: h=7 m=55
